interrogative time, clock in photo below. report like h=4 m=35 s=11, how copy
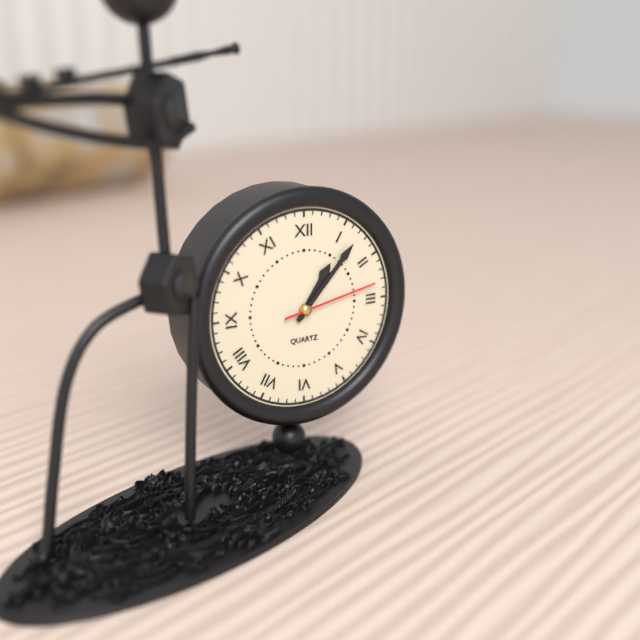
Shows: h=1 m=7 s=13
